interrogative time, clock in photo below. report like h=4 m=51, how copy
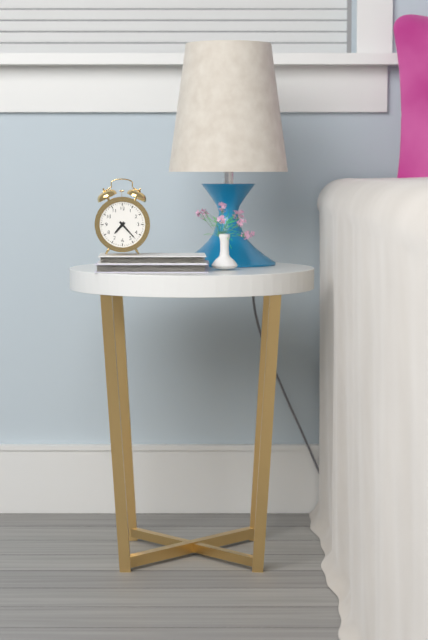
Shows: h=7 m=23
